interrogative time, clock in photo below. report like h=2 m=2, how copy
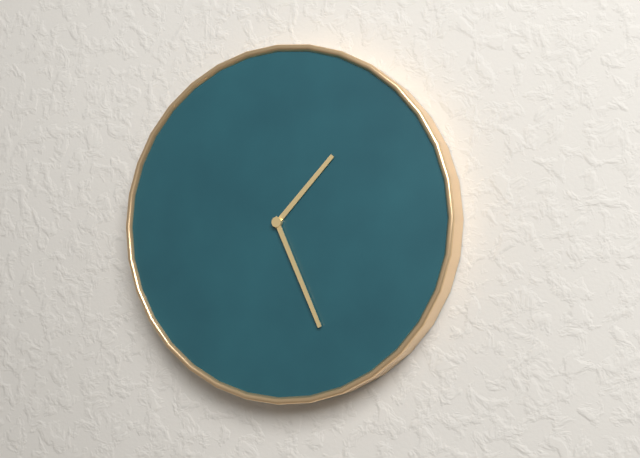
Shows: h=1 m=26
